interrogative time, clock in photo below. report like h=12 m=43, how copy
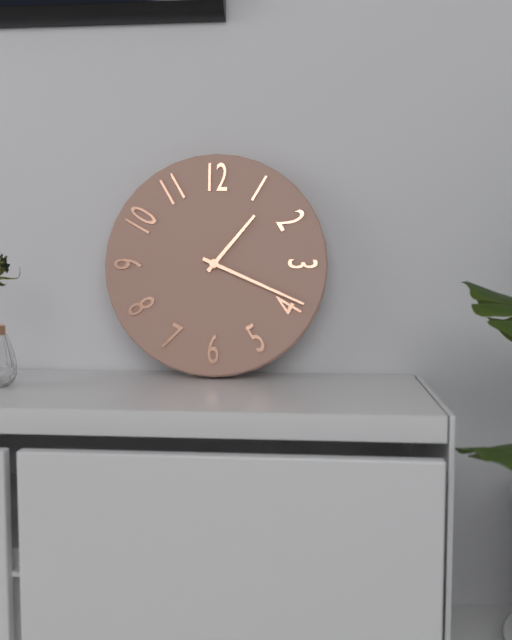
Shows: h=1 m=19
